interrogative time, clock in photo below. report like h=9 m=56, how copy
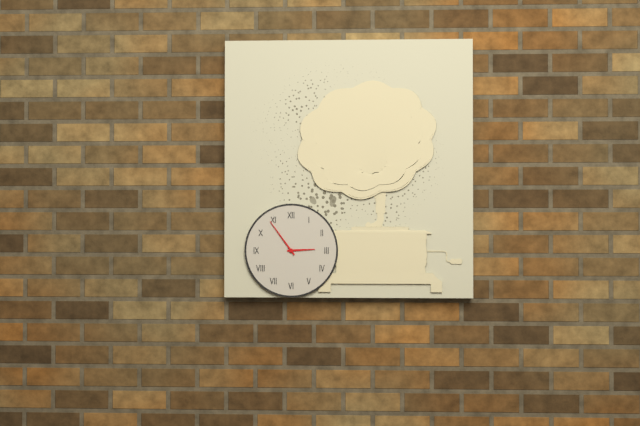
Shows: h=2 m=54
